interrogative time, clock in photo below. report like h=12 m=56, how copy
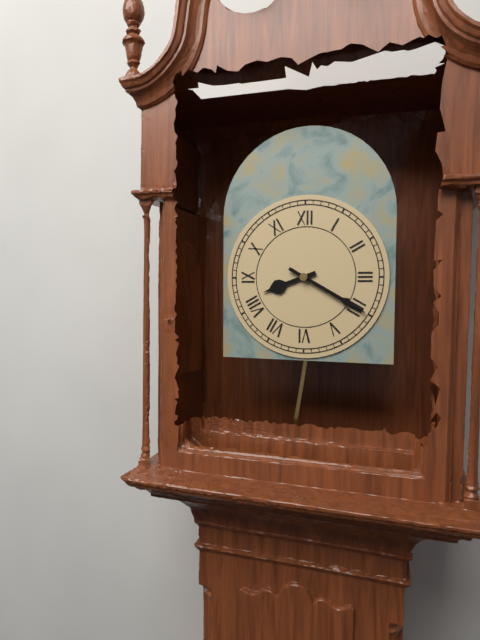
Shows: h=8 m=20
